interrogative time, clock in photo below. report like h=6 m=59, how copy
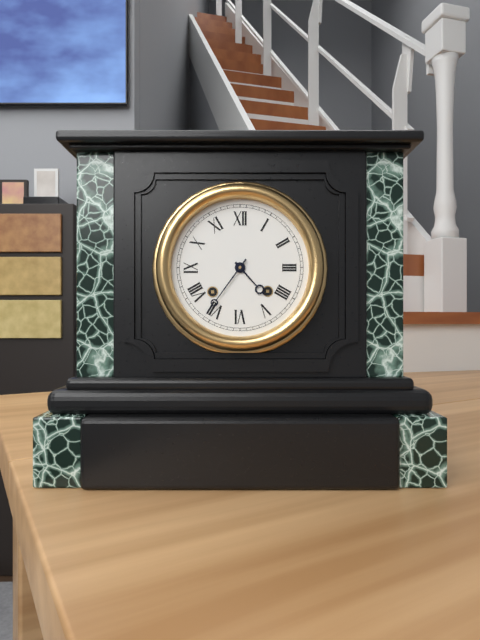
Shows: h=4 m=36
